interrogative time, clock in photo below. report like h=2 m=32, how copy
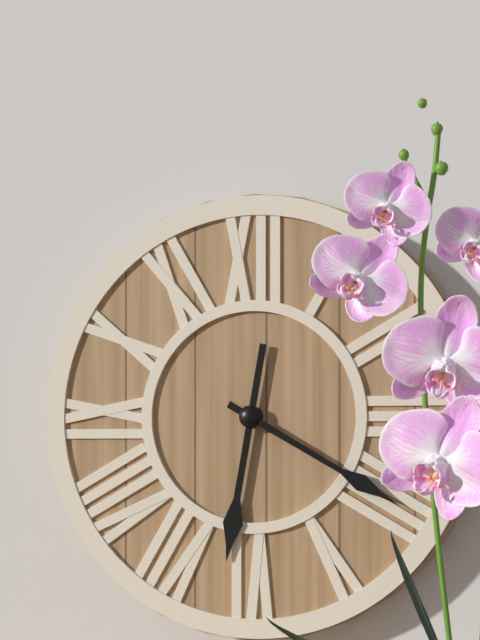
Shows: h=6 m=20
